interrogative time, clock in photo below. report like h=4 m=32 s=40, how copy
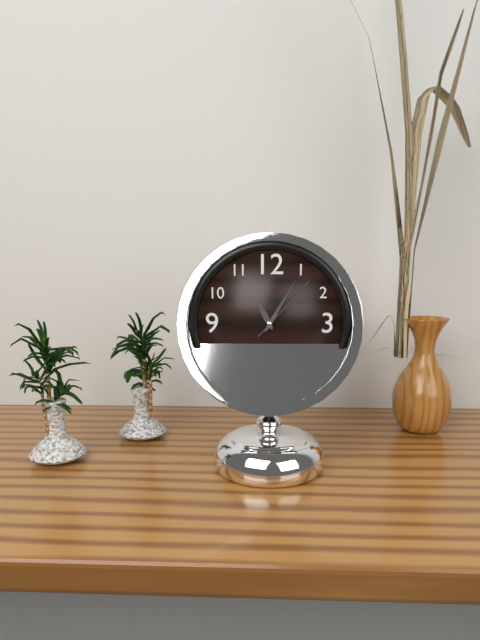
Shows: h=11 m=5 s=7
